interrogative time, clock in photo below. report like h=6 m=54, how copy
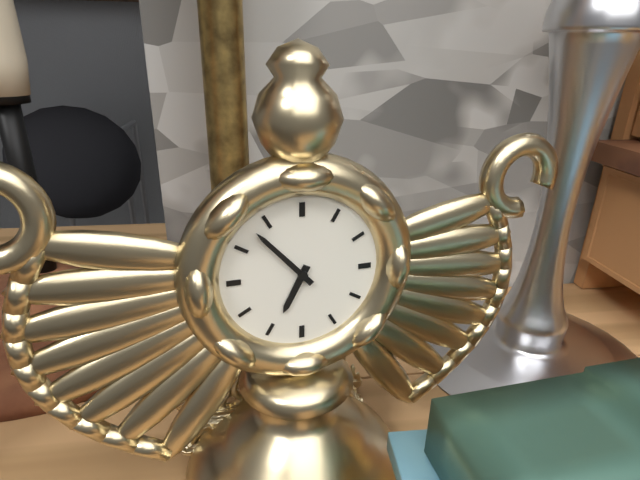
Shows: h=6 m=53
